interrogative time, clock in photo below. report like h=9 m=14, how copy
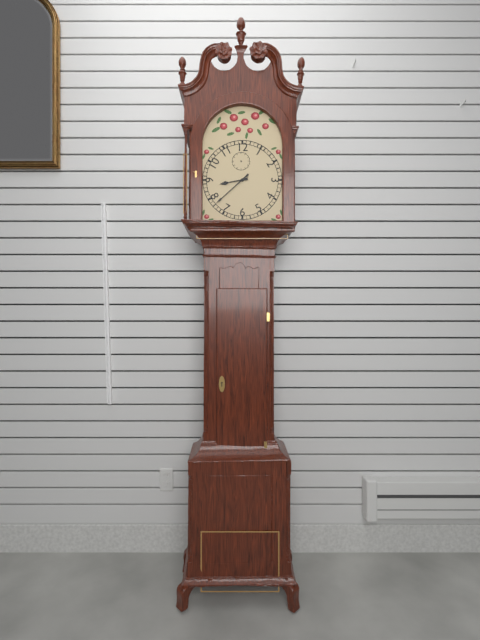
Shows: h=8 m=38
